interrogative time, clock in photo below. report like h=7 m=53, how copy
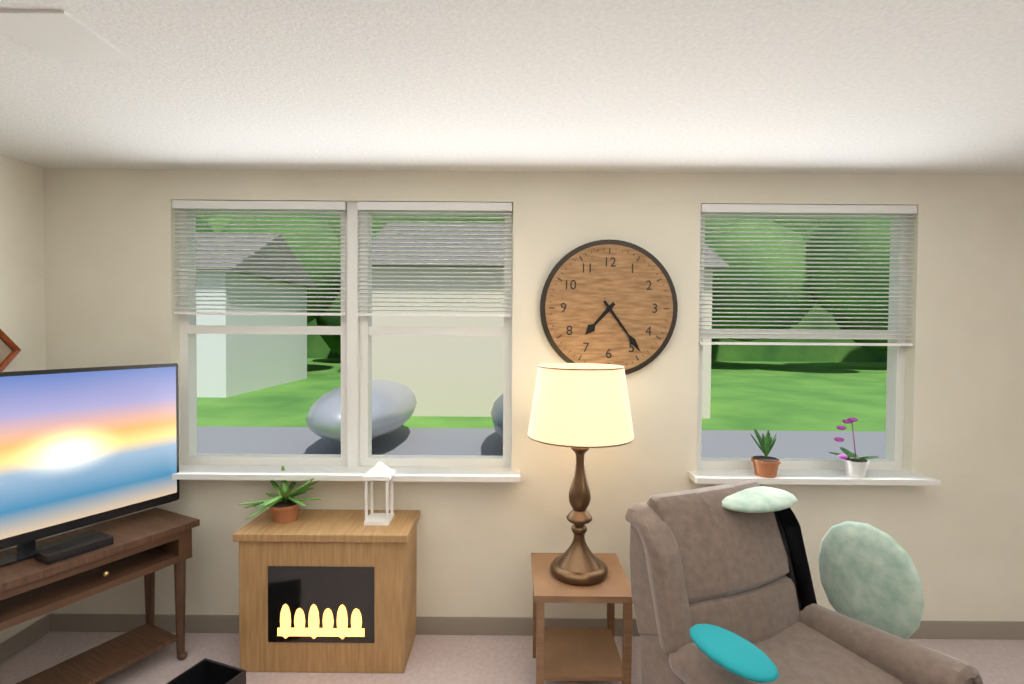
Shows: h=7 m=24
